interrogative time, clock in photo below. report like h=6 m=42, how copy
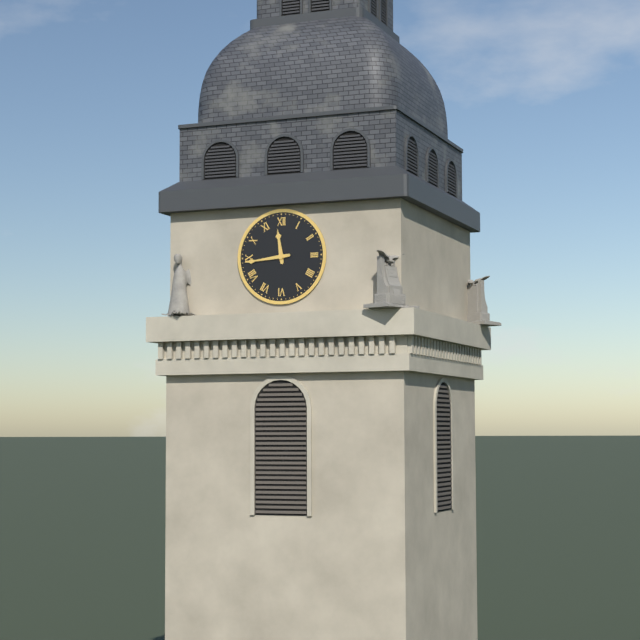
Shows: h=11 m=44
